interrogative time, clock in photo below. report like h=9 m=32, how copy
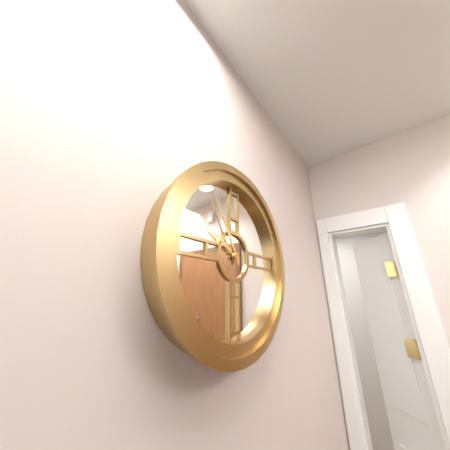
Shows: h=9 m=55
